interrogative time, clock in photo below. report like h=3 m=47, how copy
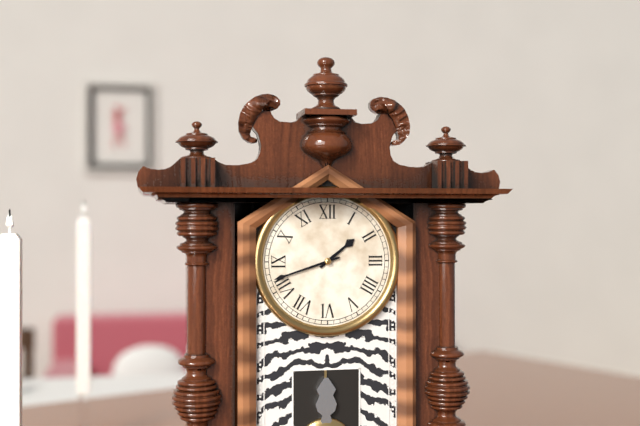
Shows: h=1 m=42
